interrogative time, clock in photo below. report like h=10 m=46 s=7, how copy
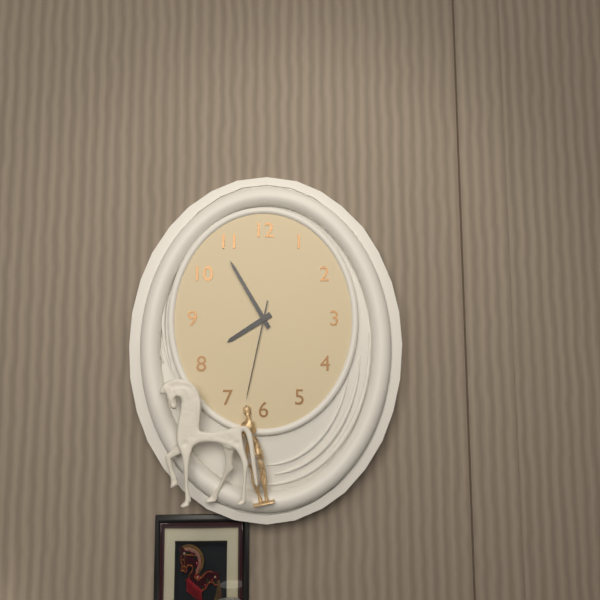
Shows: h=7 m=55 s=32
